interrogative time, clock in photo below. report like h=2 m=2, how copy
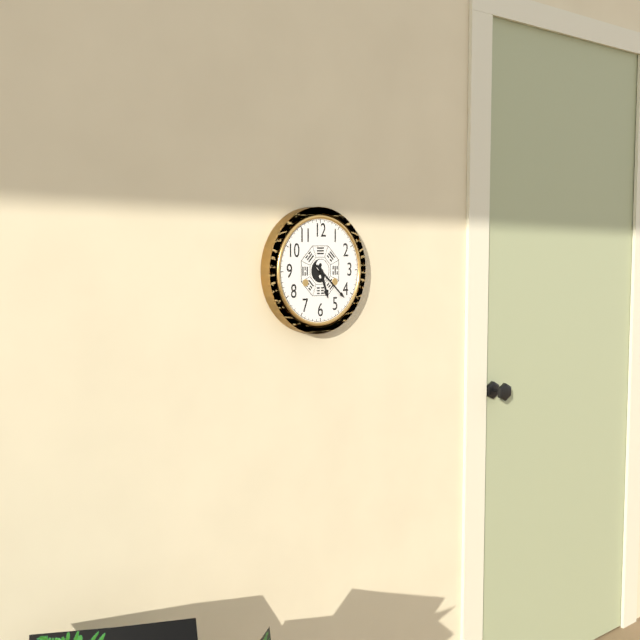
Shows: h=5 m=22
